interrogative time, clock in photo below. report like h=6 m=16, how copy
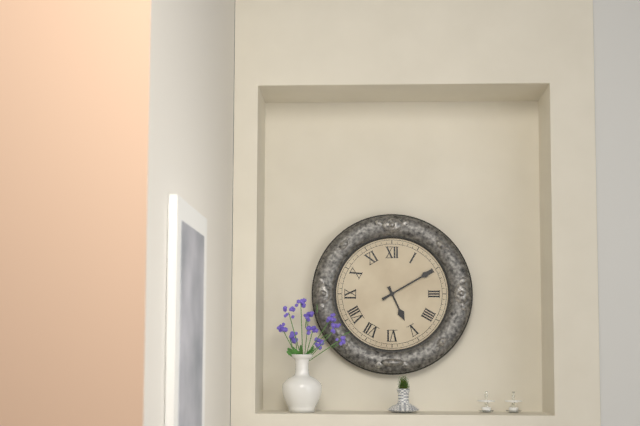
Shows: h=5 m=10
